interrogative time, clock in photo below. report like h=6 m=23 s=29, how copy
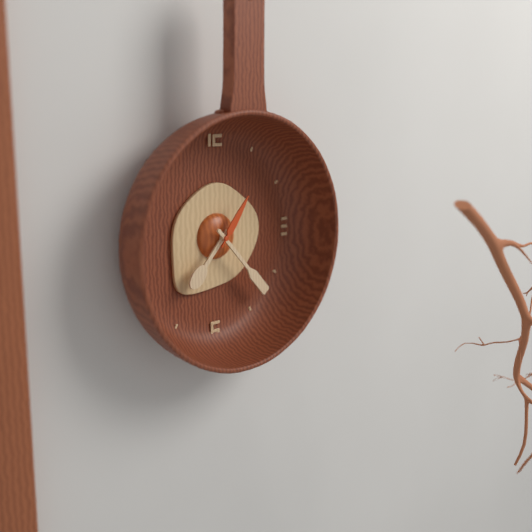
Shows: h=7 m=23 s=6
